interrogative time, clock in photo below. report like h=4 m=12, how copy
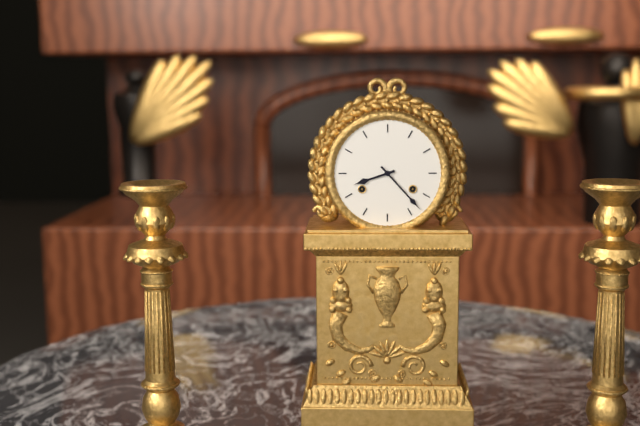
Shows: h=8 m=23
